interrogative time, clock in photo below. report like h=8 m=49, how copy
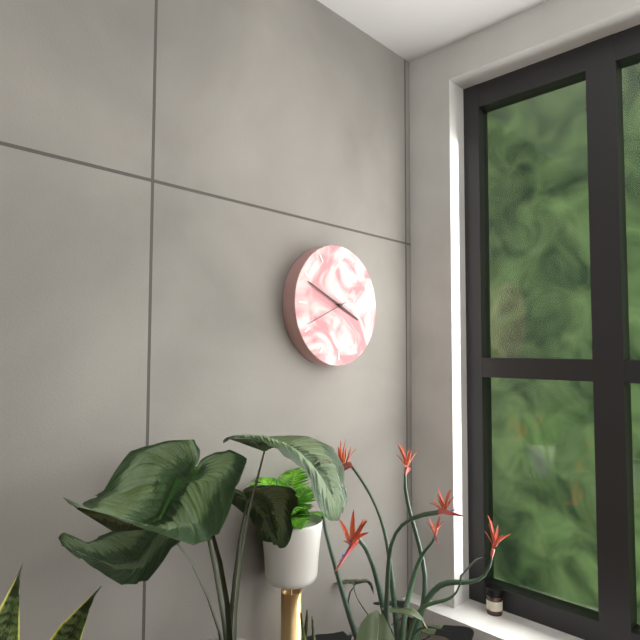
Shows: h=3 m=49
